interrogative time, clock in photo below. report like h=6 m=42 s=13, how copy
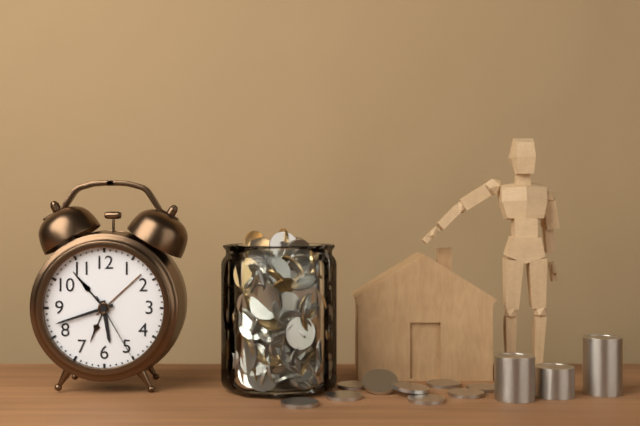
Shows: h=5 m=42 s=25
